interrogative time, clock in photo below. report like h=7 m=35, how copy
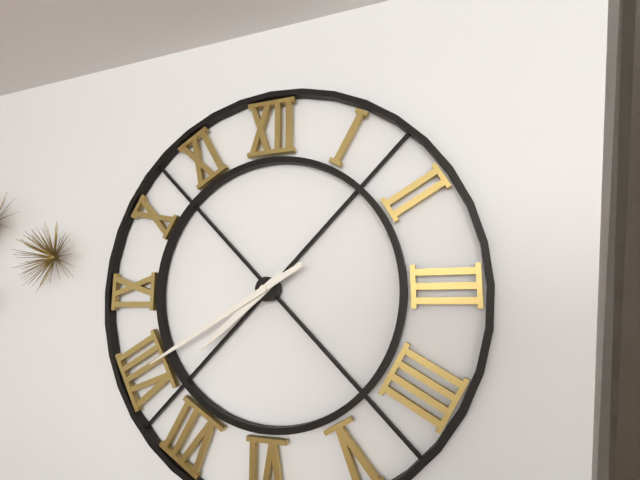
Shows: h=7 m=40
